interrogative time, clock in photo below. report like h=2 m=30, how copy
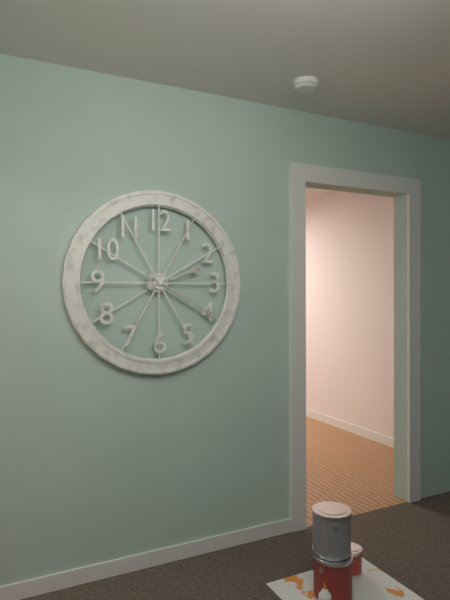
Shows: h=2 m=20
